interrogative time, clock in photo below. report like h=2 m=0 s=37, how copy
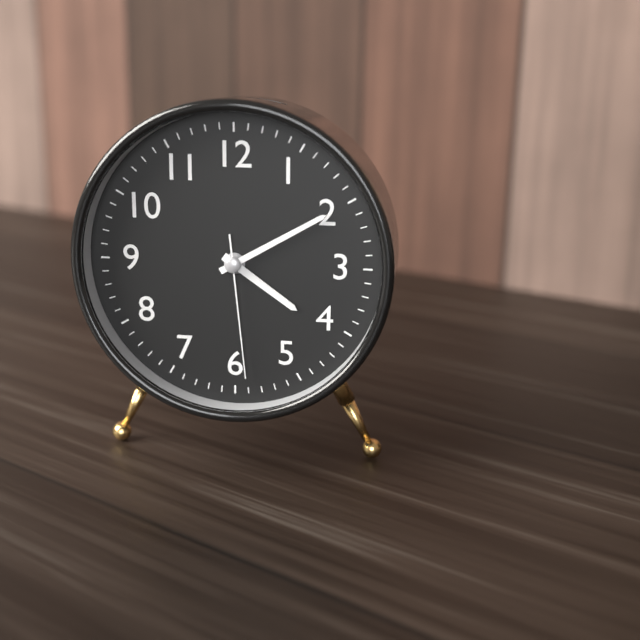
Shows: h=4 m=10 s=29
